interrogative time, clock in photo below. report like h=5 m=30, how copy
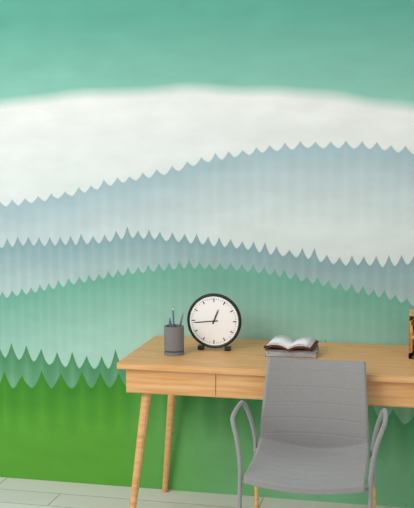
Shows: h=12 m=44
